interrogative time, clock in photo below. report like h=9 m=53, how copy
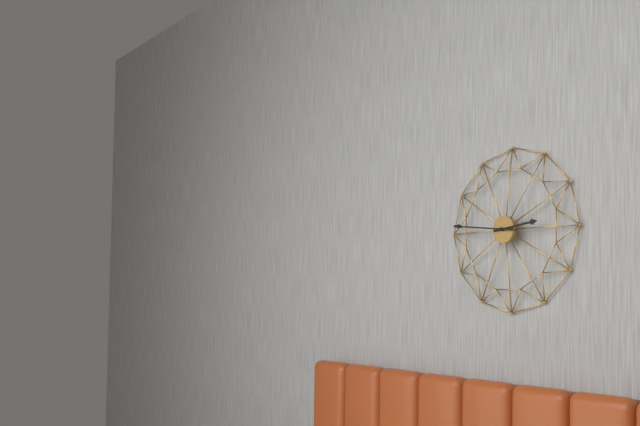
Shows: h=2 m=46
